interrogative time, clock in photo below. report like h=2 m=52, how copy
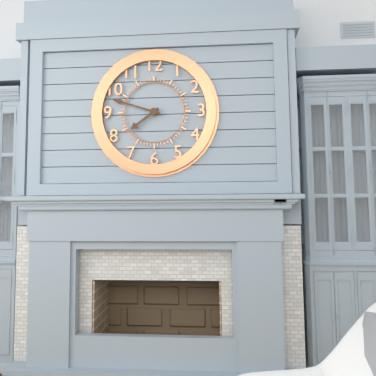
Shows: h=7 m=48
